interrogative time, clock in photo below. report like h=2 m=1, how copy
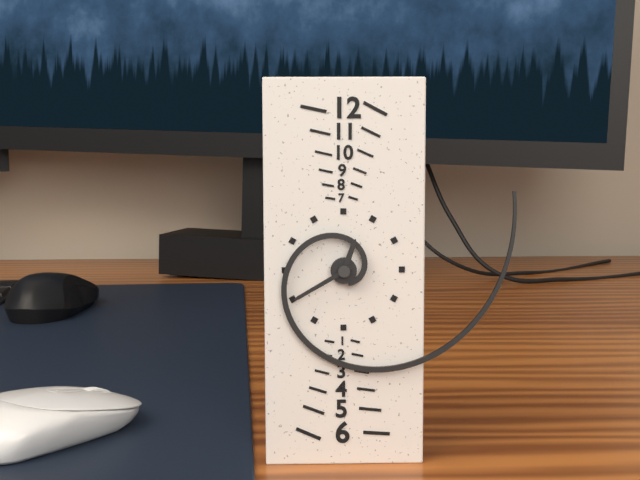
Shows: h=12 m=40
